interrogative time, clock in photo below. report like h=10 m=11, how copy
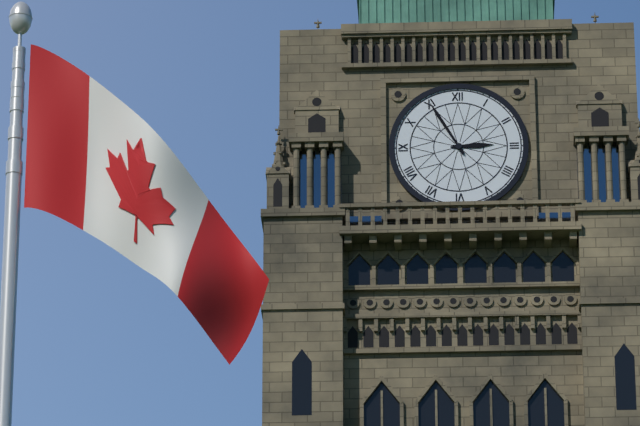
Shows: h=2 m=55
